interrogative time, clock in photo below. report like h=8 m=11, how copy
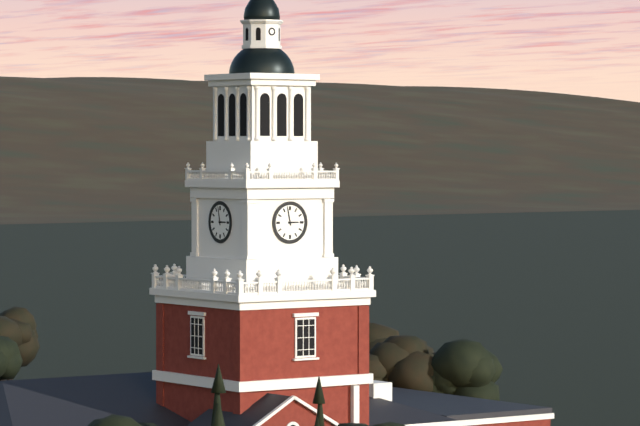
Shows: h=2 m=58
